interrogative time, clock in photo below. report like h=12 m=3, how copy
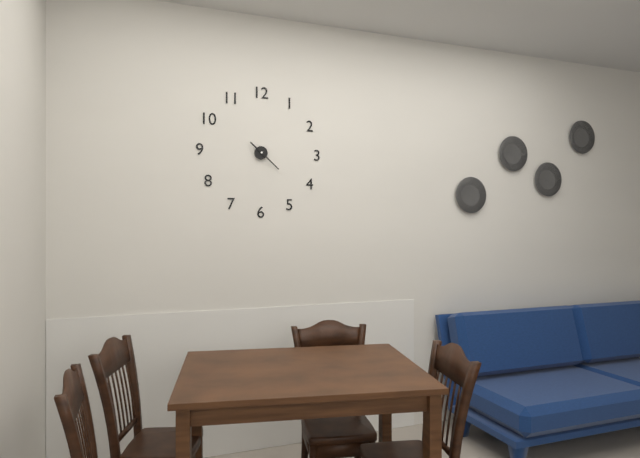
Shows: h=10 m=22
